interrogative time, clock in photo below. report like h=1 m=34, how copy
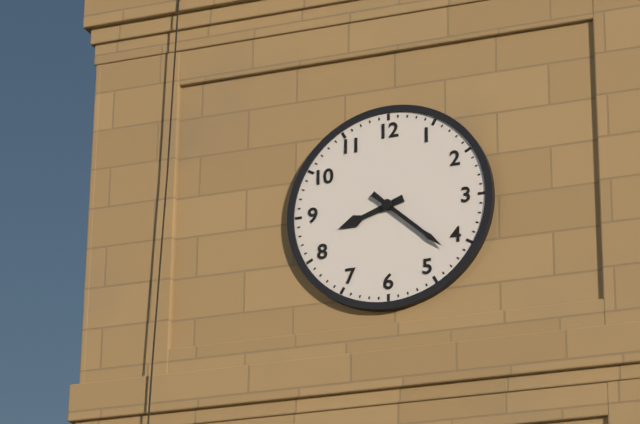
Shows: h=8 m=22
